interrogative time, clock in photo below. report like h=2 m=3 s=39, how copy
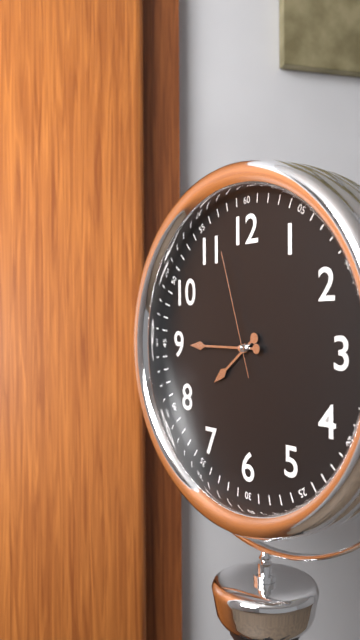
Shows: h=7 m=45 s=57
